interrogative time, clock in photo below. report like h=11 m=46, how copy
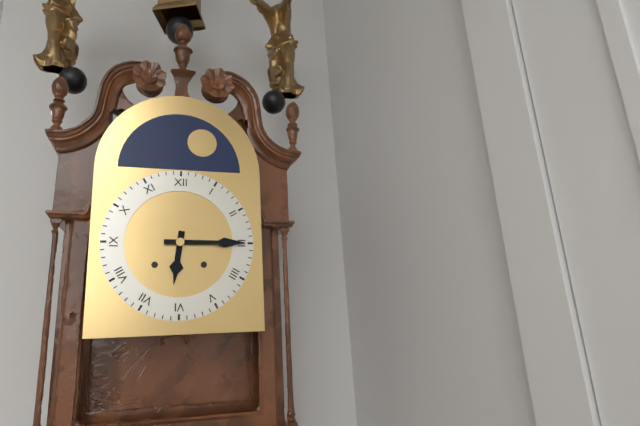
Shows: h=6 m=15
